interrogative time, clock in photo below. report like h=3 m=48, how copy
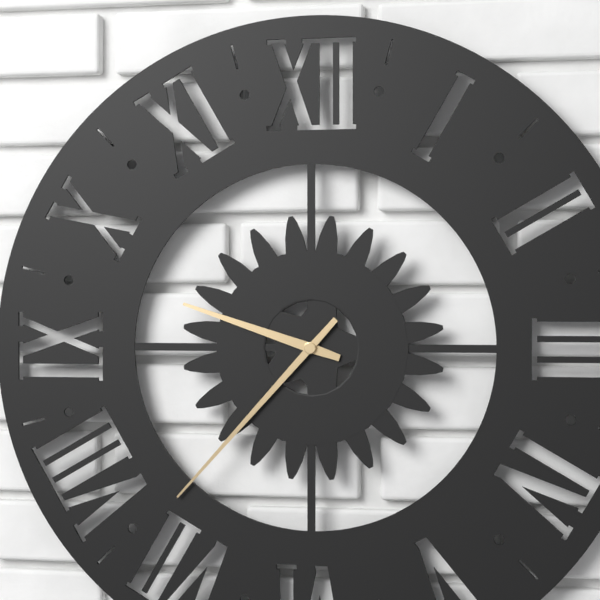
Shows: h=9 m=37
